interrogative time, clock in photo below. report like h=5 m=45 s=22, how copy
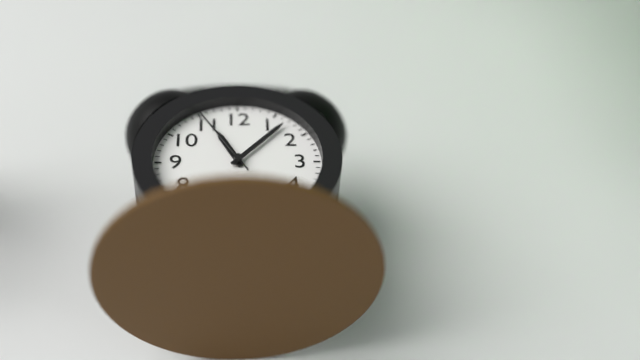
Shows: h=11 m=7 s=55
